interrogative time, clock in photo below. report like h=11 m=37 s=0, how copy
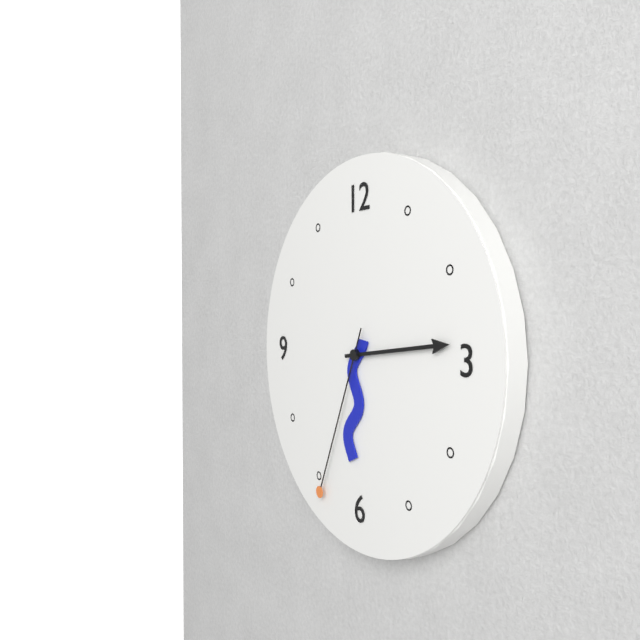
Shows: h=6 m=14 s=34
